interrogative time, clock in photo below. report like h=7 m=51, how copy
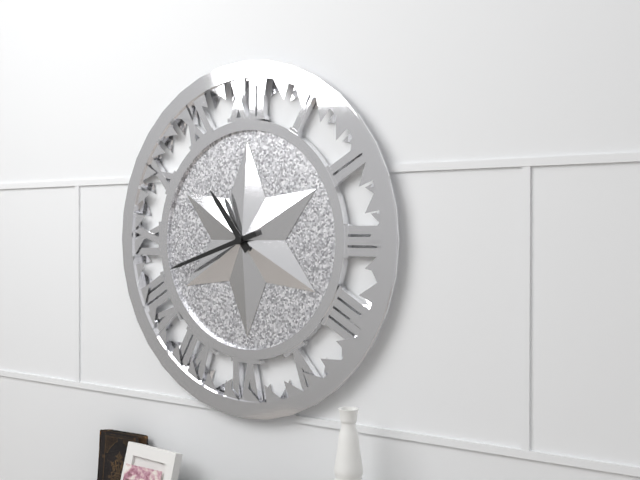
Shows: h=10 m=42
